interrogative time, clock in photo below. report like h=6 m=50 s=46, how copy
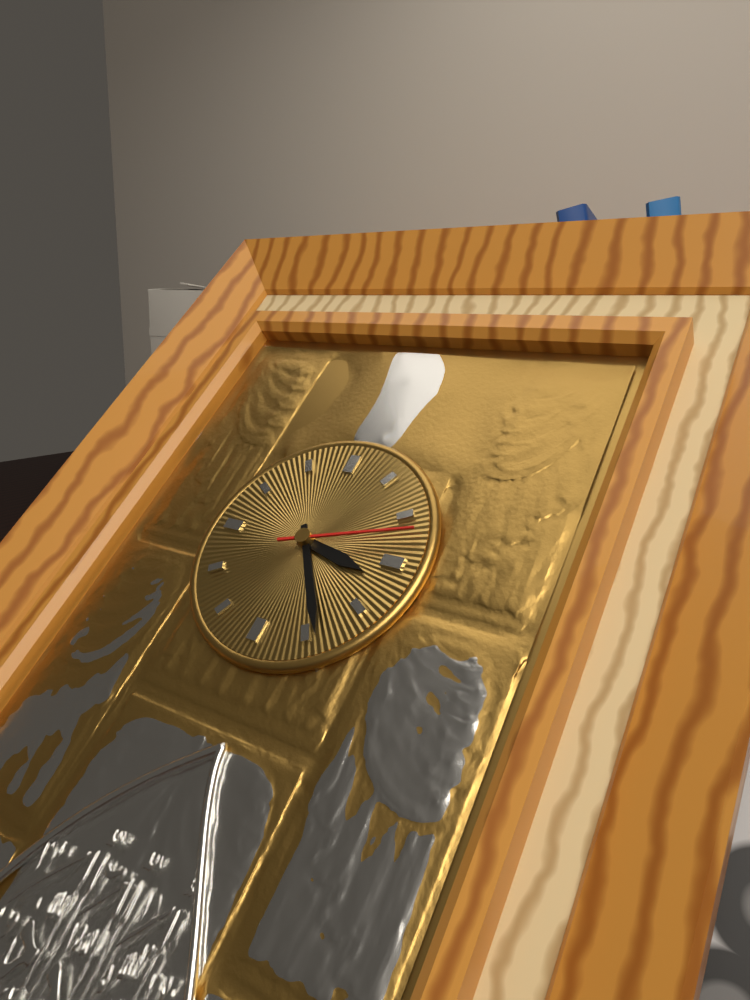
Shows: h=3 m=24 s=12
